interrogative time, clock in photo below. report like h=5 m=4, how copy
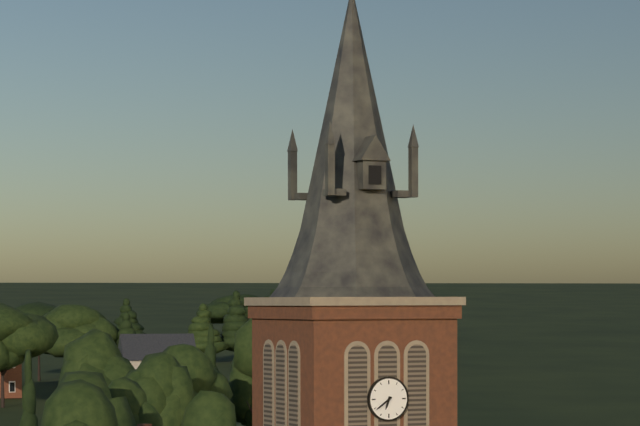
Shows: h=6 m=39
